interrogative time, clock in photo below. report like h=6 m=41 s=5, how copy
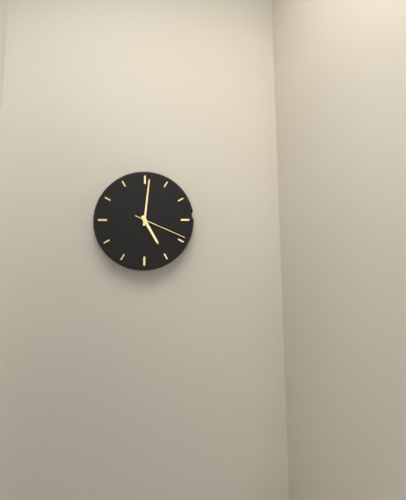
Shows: h=5 m=1 s=19
